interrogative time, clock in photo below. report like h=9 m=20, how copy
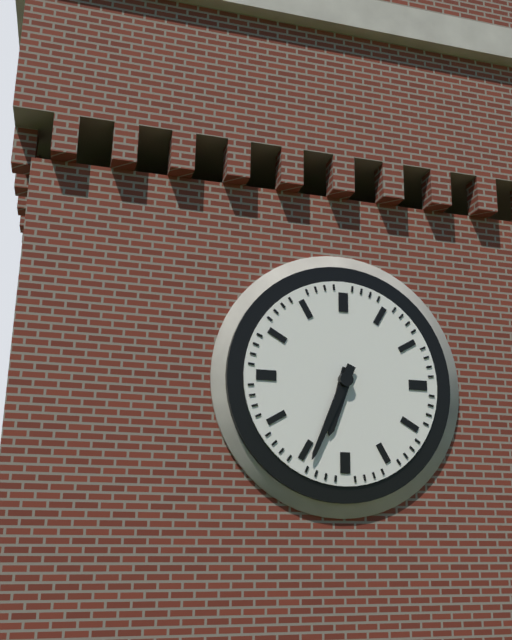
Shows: h=6 m=34
